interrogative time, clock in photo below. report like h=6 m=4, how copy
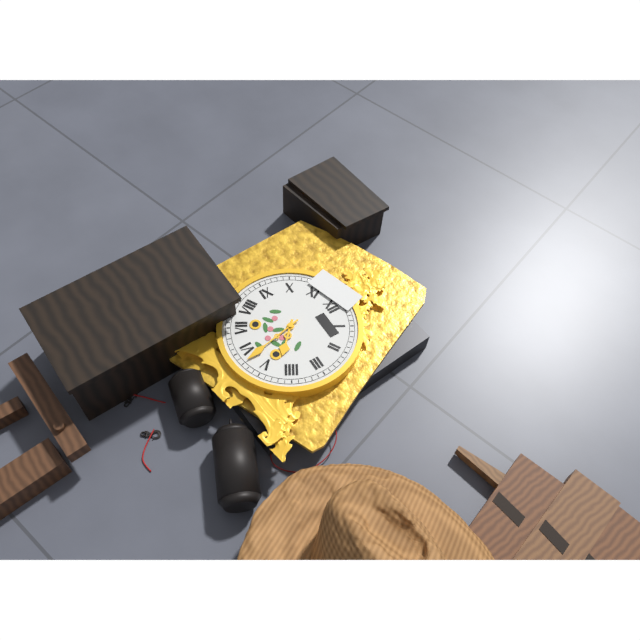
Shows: h=4 m=28
